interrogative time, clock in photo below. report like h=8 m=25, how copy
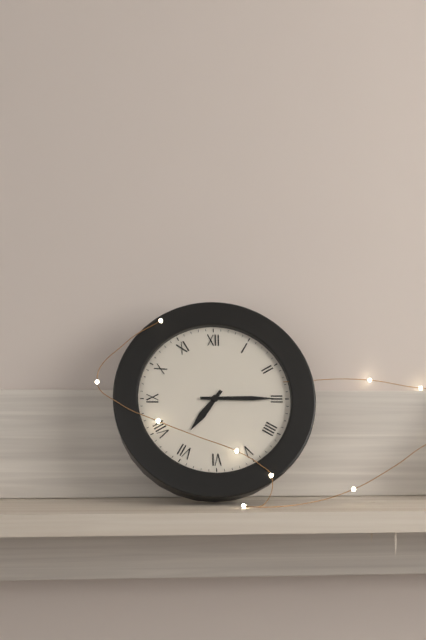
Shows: h=7 m=15
